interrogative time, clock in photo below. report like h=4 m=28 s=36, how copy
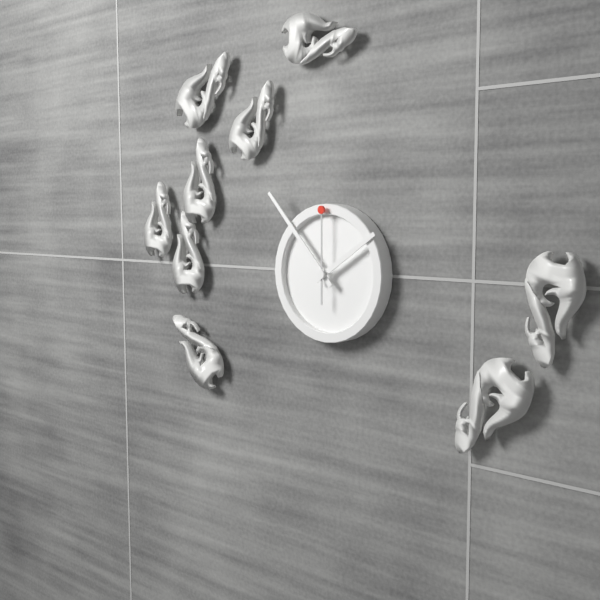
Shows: h=1 m=53 s=0
